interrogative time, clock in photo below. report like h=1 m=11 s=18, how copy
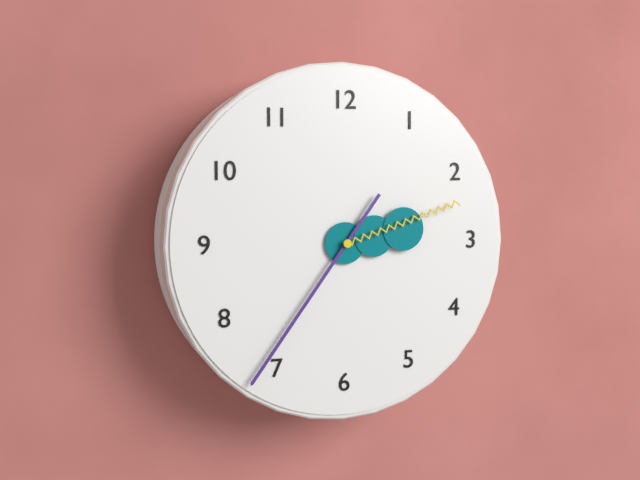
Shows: h=2 m=36 s=12
